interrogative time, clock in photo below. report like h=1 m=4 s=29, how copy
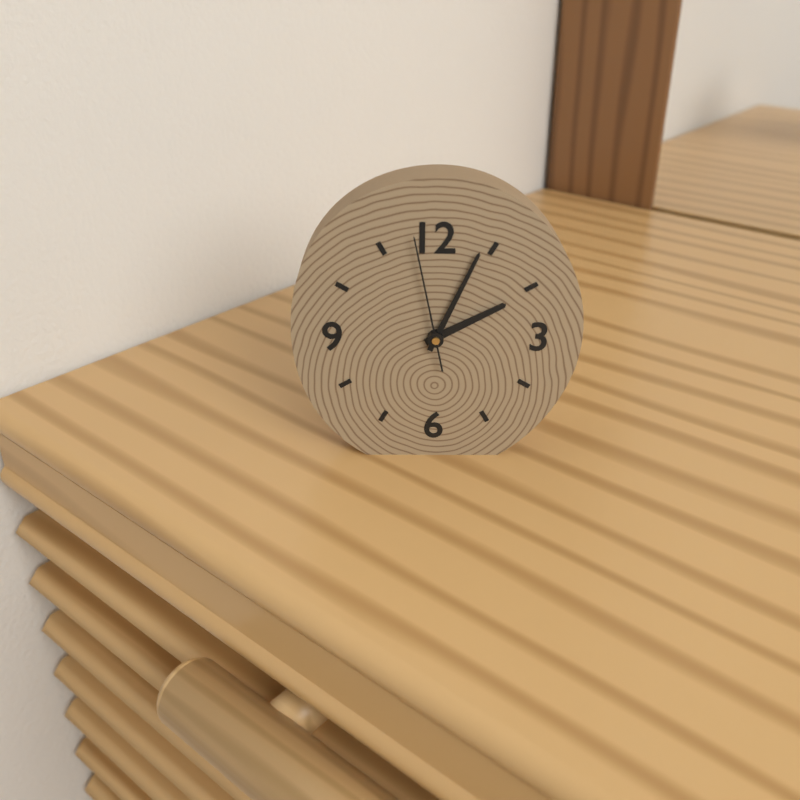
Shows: h=2 m=4 s=58
